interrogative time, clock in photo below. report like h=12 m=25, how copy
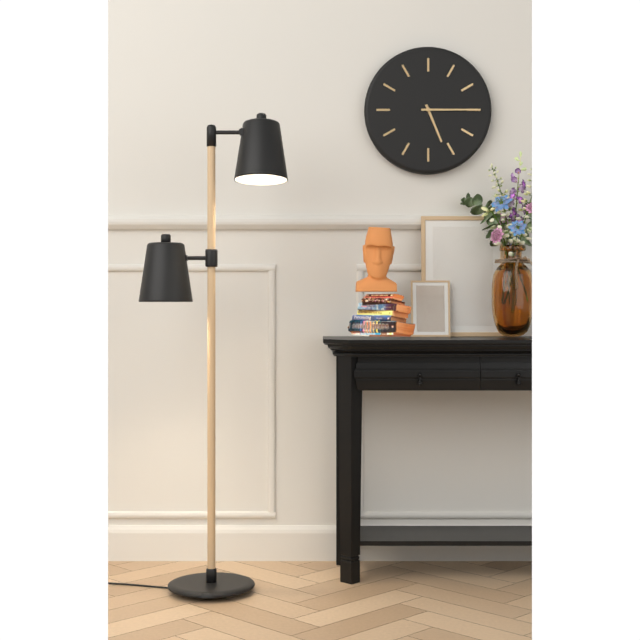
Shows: h=5 m=15
